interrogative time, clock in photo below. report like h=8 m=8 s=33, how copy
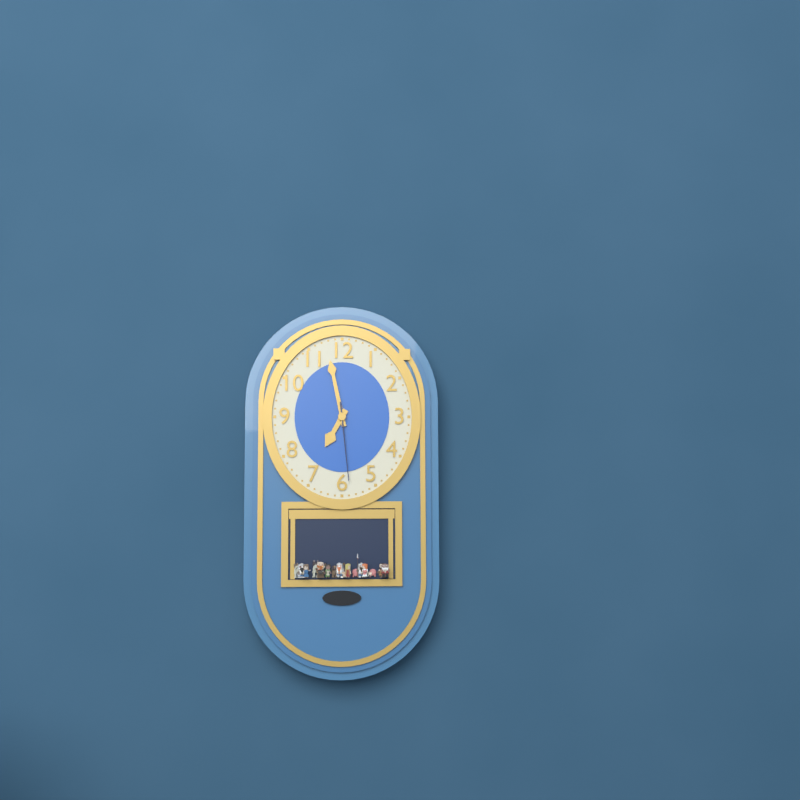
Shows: h=6 m=58 s=29
